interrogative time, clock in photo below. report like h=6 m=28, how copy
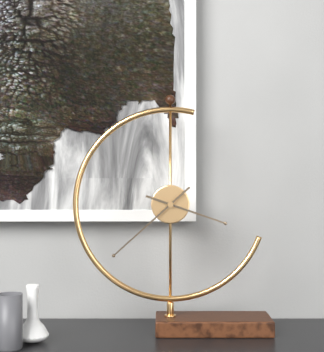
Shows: h=3 m=38
